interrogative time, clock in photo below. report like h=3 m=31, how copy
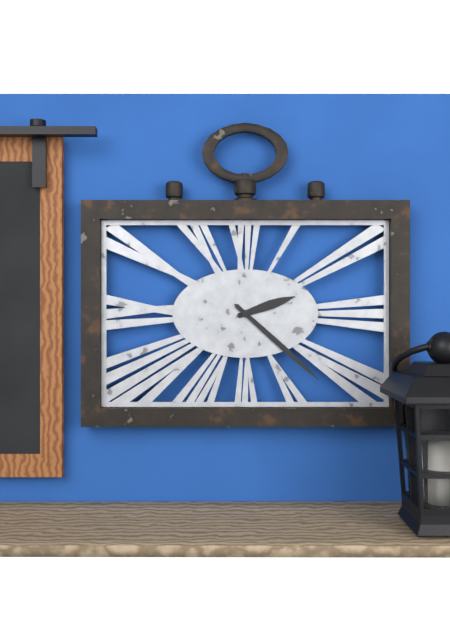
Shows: h=2 m=22
